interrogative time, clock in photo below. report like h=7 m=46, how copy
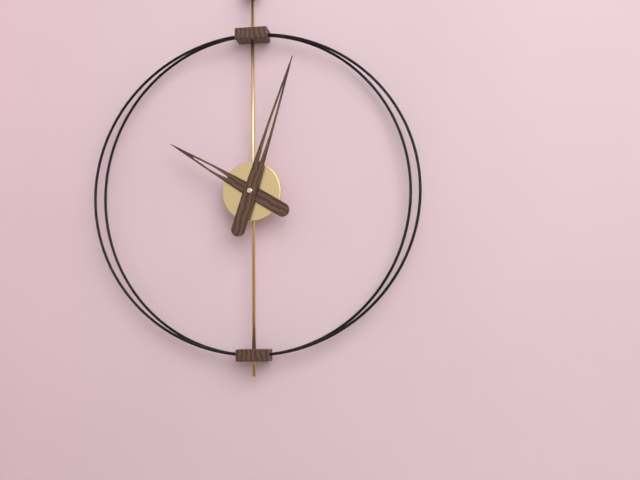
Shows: h=10 m=3
